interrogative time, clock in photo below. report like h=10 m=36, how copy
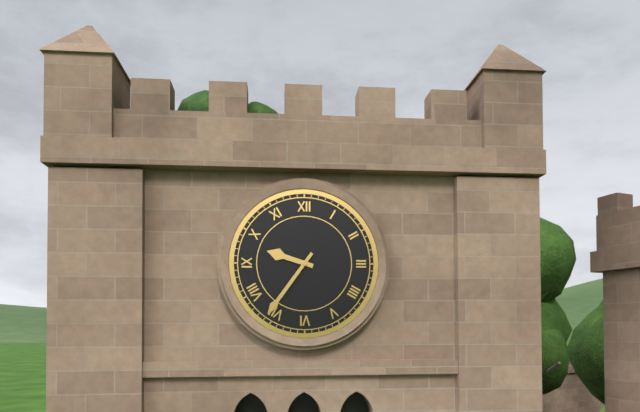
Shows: h=9 m=36
